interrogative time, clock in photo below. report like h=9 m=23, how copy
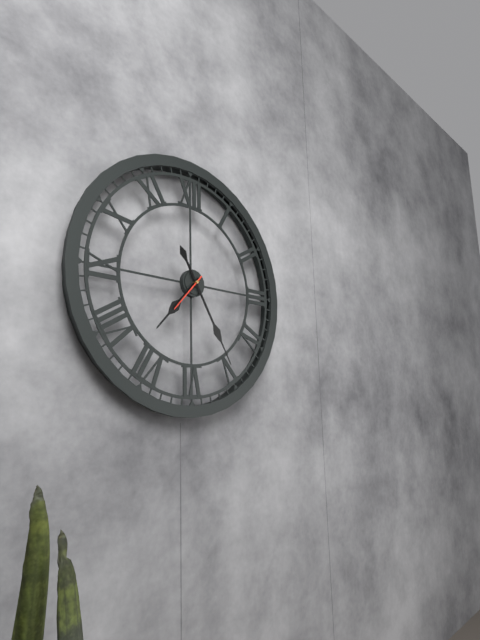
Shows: h=7 m=25
